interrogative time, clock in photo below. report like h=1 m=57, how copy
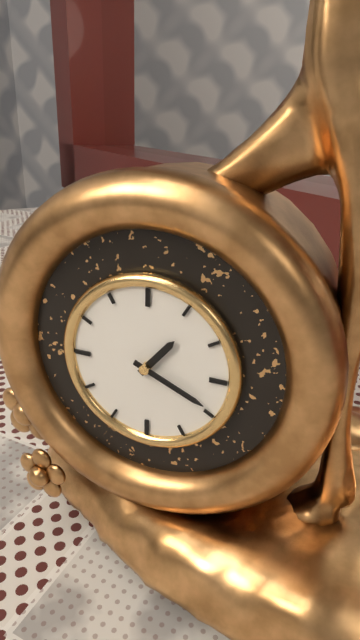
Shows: h=1 m=19
